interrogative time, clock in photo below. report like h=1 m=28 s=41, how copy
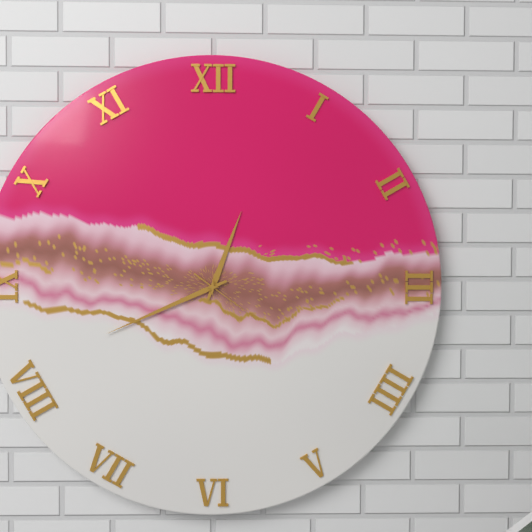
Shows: h=12 m=41 s=21
